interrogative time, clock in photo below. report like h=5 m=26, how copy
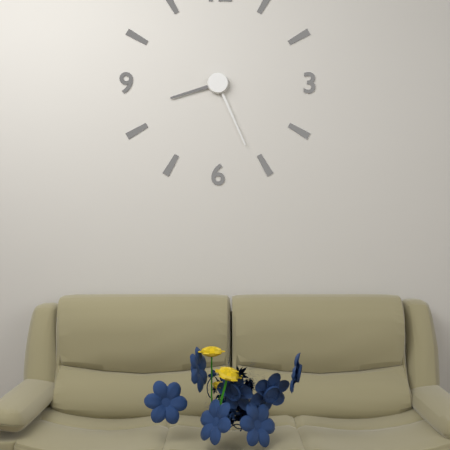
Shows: h=8 m=26
